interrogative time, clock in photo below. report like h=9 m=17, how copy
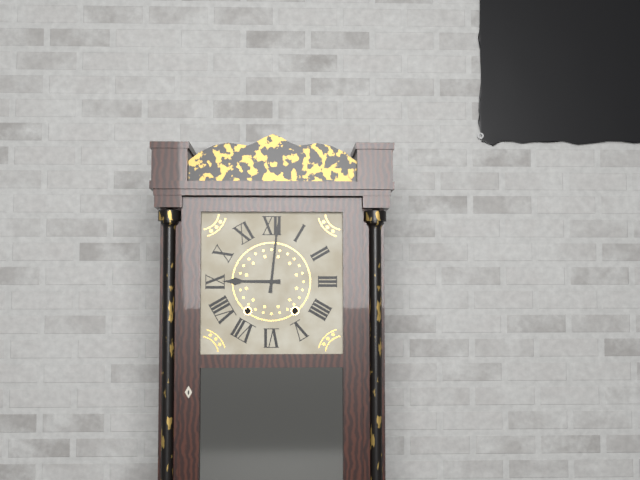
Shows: h=9 m=1
